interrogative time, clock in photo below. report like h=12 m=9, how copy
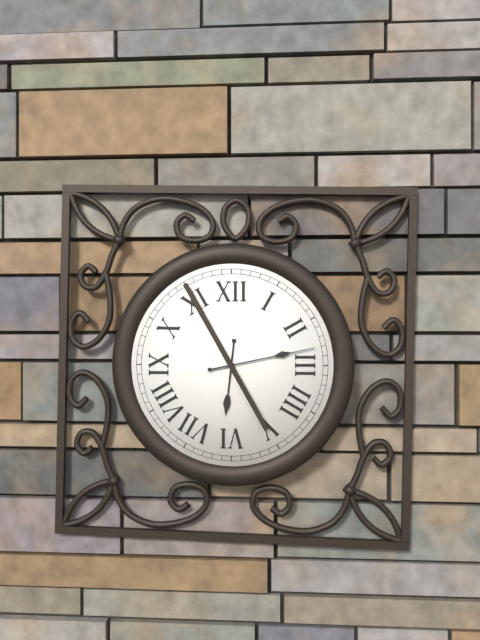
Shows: h=6 m=13
